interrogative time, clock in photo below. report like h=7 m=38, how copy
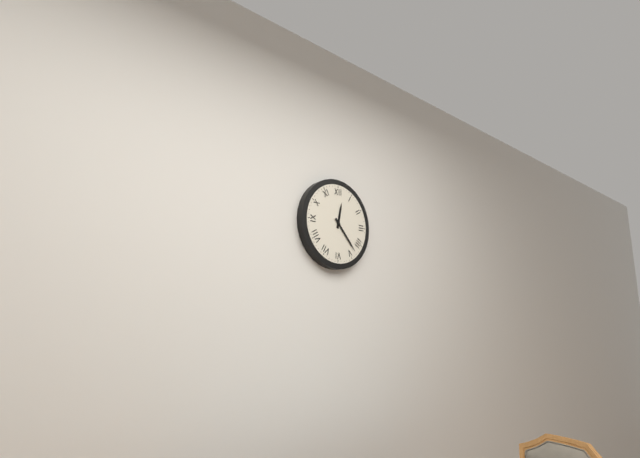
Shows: h=12 m=23
